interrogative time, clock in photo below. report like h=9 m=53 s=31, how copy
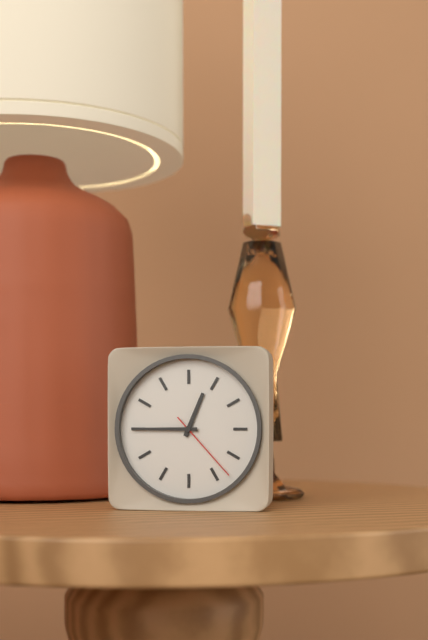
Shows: h=12 m=45 s=23
